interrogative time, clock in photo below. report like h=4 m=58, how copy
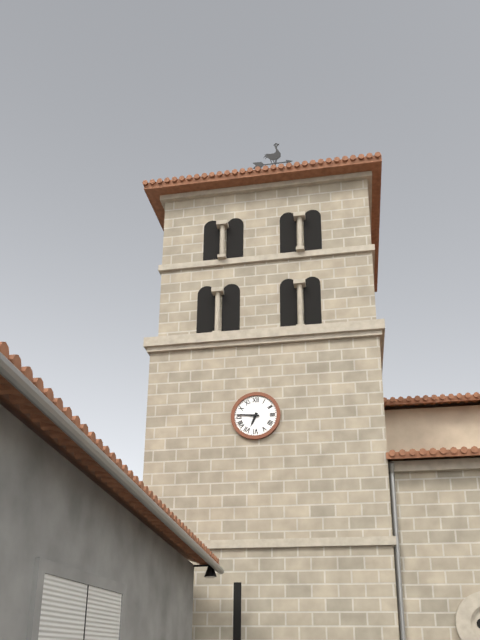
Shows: h=6 m=46
